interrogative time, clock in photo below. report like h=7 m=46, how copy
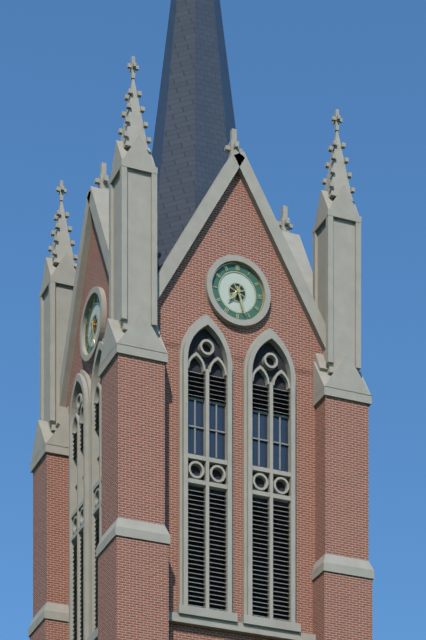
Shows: h=7 m=27
